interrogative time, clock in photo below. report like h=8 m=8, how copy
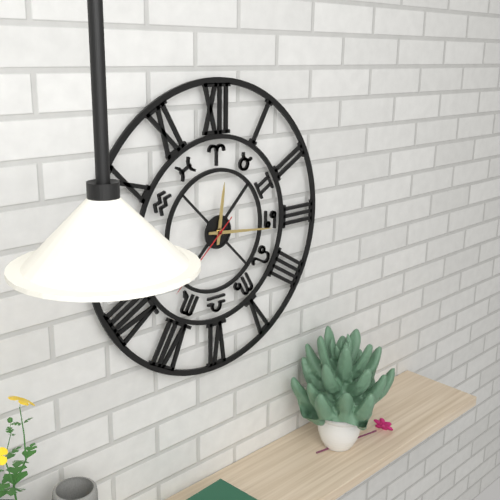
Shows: h=12 m=16
